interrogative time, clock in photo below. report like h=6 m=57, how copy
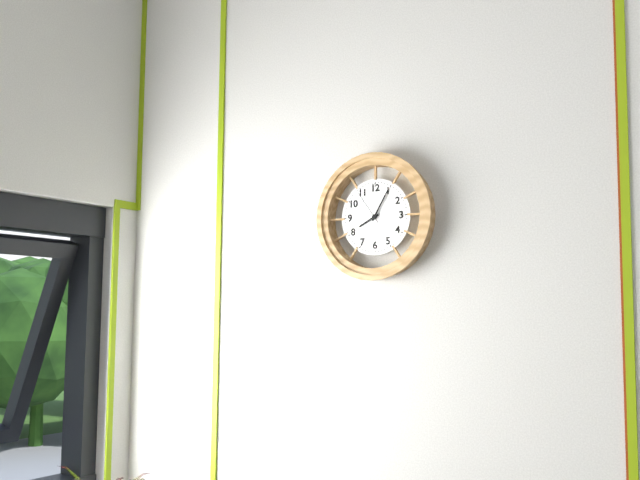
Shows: h=8 m=5
